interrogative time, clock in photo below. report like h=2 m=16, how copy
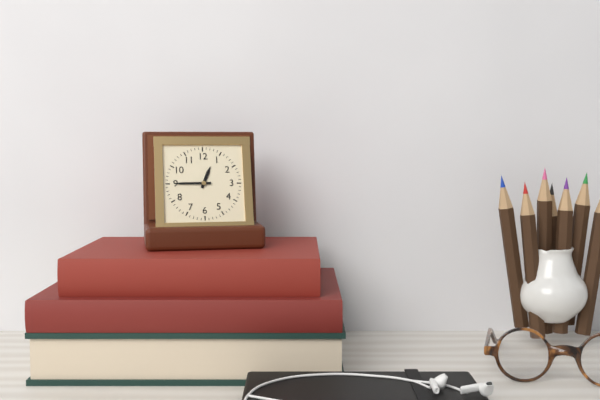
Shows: h=12 m=45
